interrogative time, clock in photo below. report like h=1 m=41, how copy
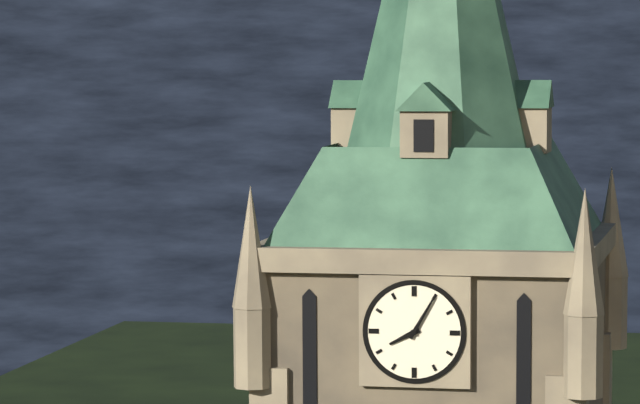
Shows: h=8 m=5
